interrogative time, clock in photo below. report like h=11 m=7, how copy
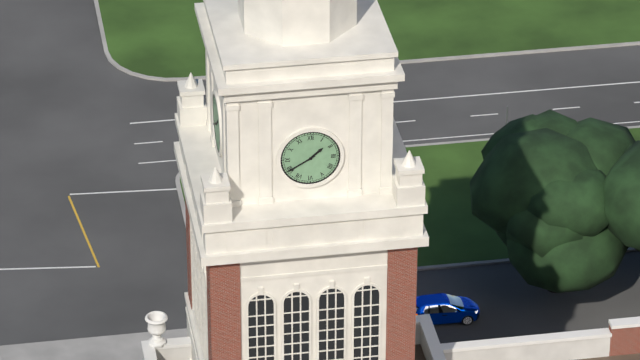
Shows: h=1 m=40
